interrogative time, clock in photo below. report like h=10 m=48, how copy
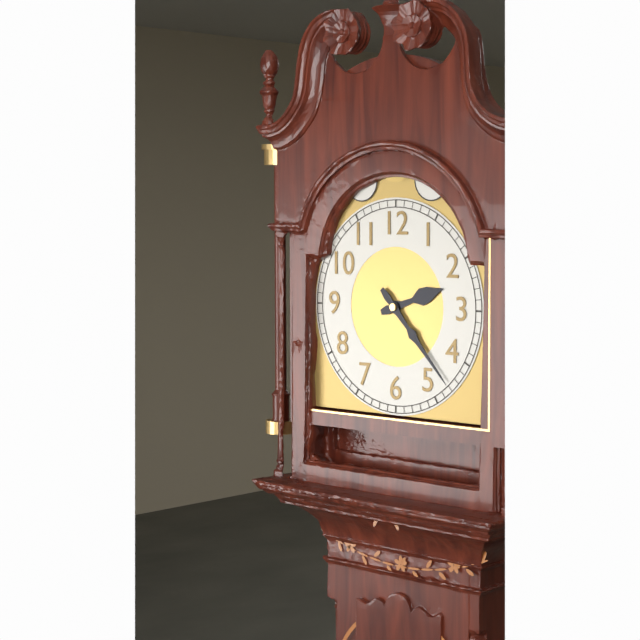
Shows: h=2 m=23
